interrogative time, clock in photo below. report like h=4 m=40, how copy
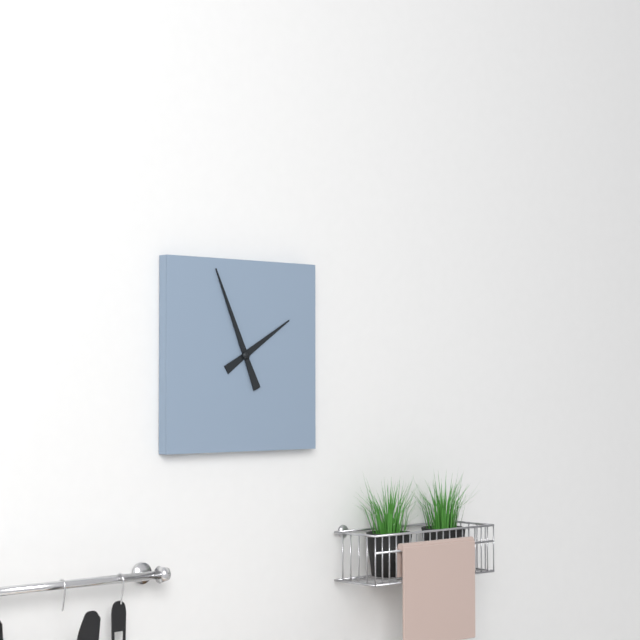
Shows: h=1 m=56
